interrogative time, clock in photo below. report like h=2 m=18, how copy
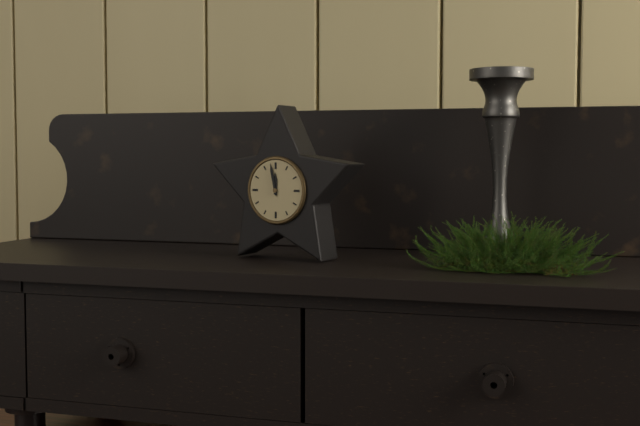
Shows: h=11 m=58
